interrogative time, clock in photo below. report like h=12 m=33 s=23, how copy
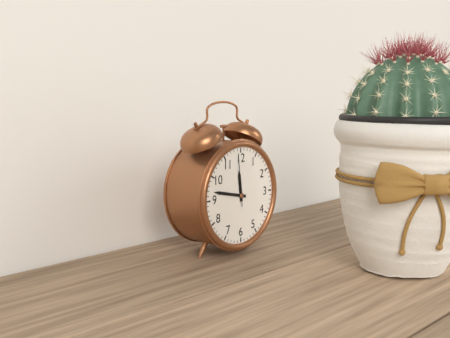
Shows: h=11 m=47 s=59
